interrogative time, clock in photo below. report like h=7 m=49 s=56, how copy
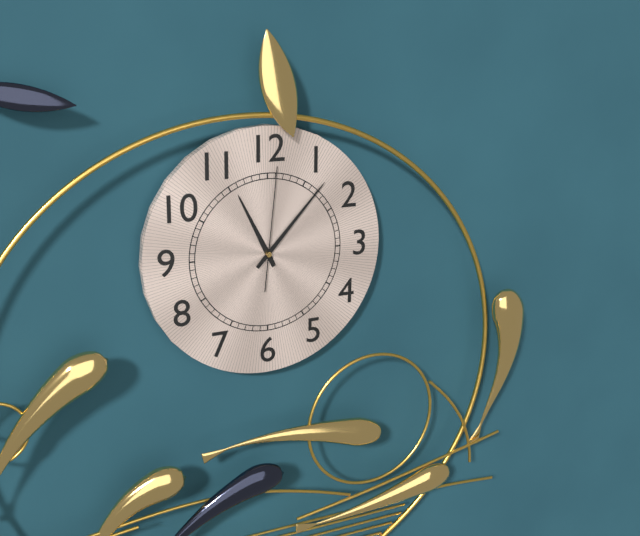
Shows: h=11 m=7 s=1
